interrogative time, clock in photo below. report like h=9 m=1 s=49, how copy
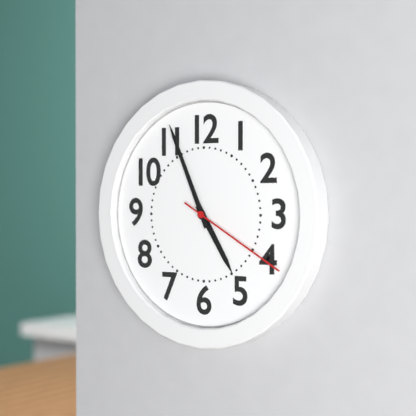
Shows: h=4 m=56 s=20
